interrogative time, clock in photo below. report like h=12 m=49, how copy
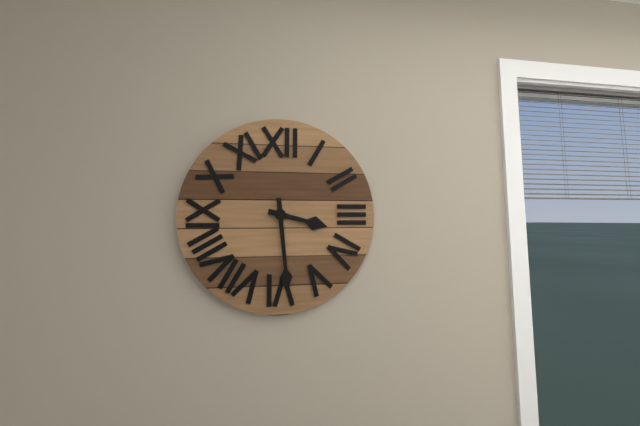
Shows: h=3 m=29
